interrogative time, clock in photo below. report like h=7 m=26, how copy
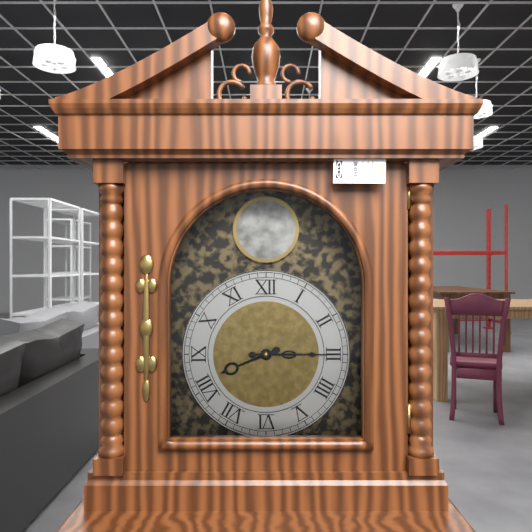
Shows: h=8 m=15
